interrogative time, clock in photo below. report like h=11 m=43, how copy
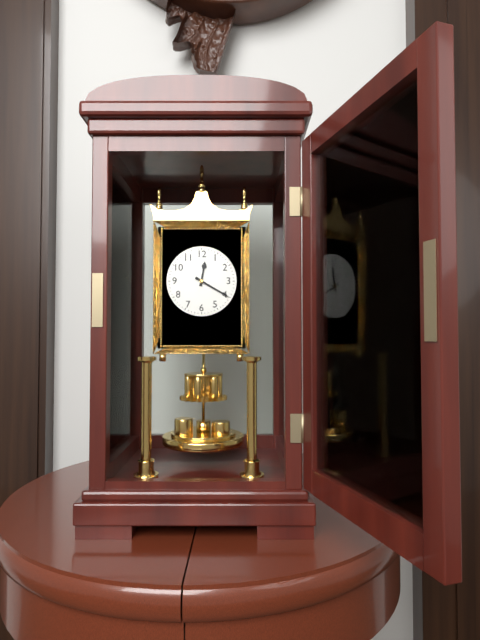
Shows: h=12 m=20
